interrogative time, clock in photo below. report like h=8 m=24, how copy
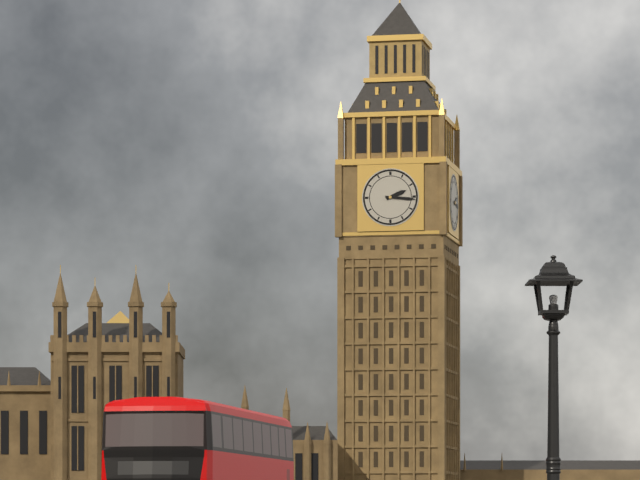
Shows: h=2 m=16
